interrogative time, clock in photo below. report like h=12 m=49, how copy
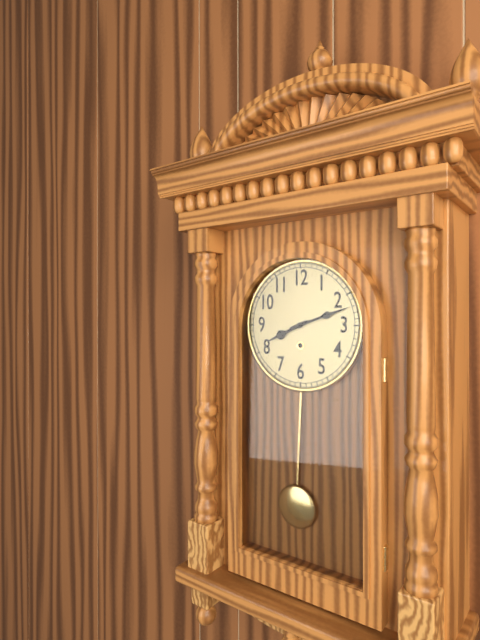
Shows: h=8 m=12
